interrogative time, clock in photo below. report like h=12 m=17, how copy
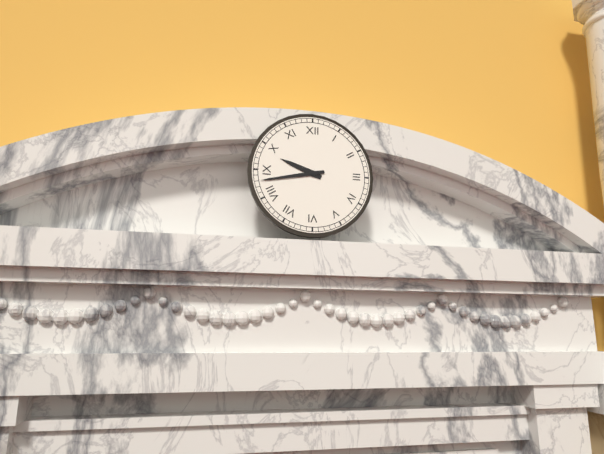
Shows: h=9 m=43
